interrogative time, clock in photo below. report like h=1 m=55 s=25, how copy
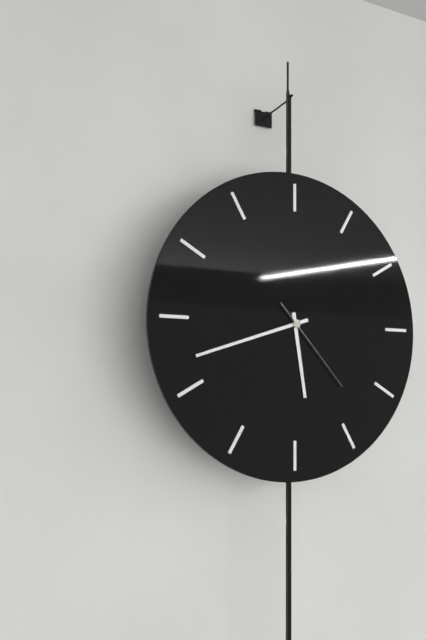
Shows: h=5 m=42 s=23
